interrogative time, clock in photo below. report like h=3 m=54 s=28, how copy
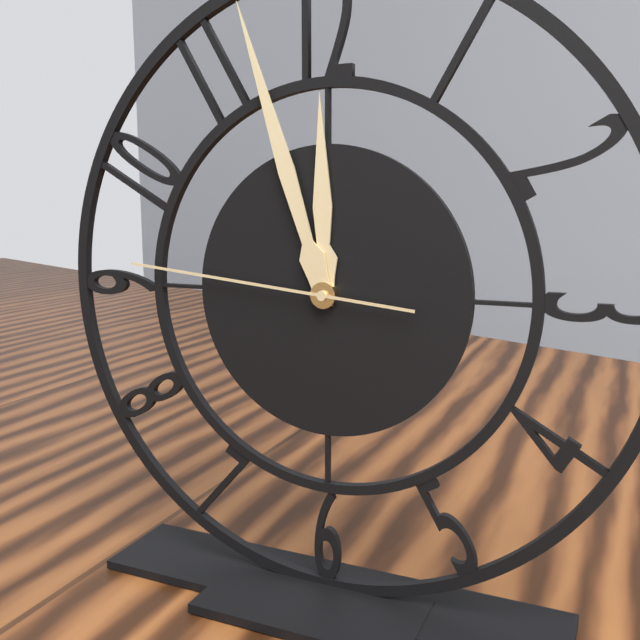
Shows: h=11 m=57 s=46
